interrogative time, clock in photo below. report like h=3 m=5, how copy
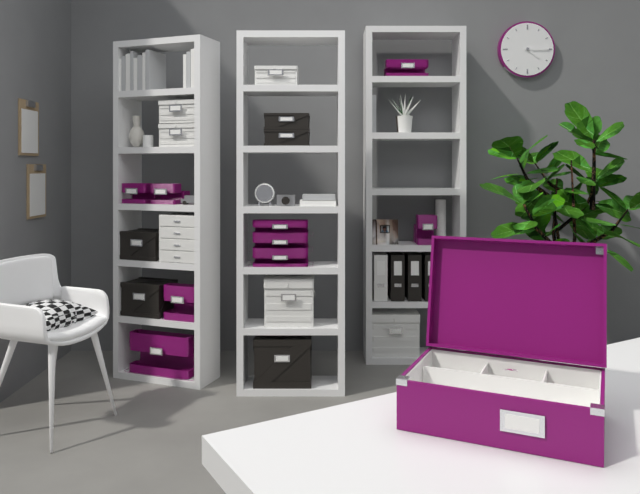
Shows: h=4 m=15
